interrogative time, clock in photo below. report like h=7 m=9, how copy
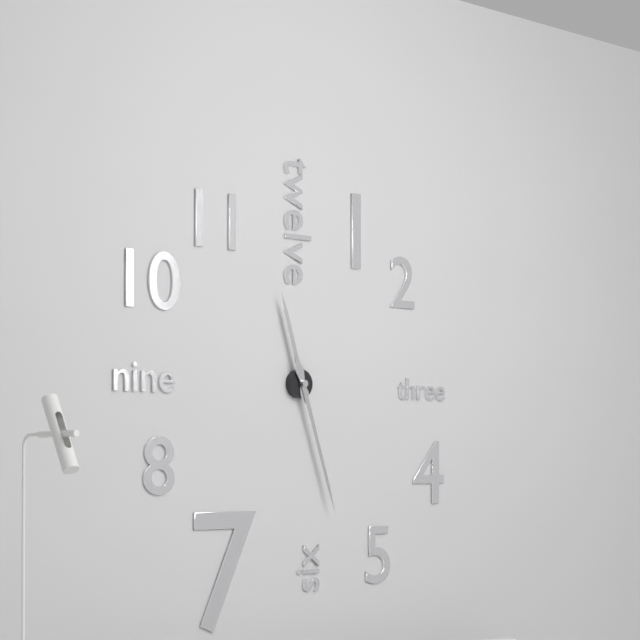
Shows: h=11 m=27
